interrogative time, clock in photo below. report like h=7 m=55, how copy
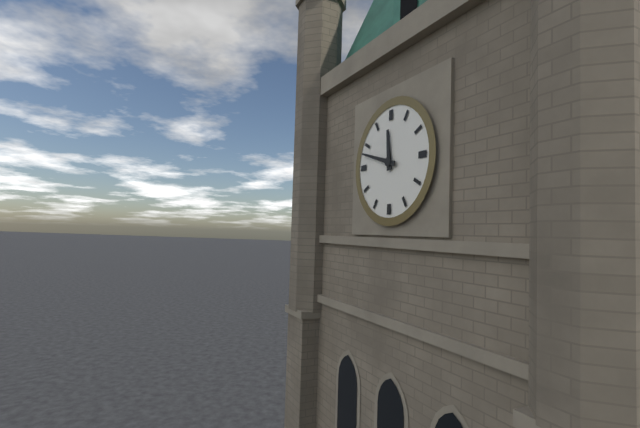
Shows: h=11 m=48
